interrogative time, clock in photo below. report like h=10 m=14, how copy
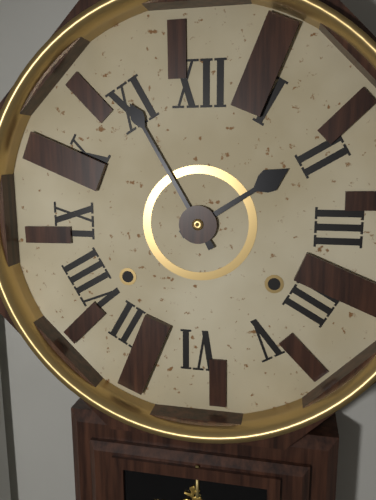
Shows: h=1 m=55
